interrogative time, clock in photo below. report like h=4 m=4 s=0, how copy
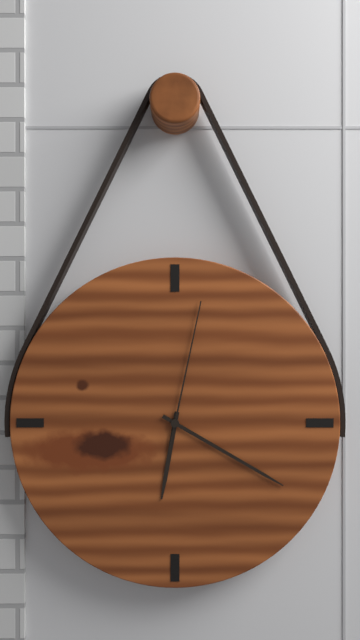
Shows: h=6 m=20 s=2
